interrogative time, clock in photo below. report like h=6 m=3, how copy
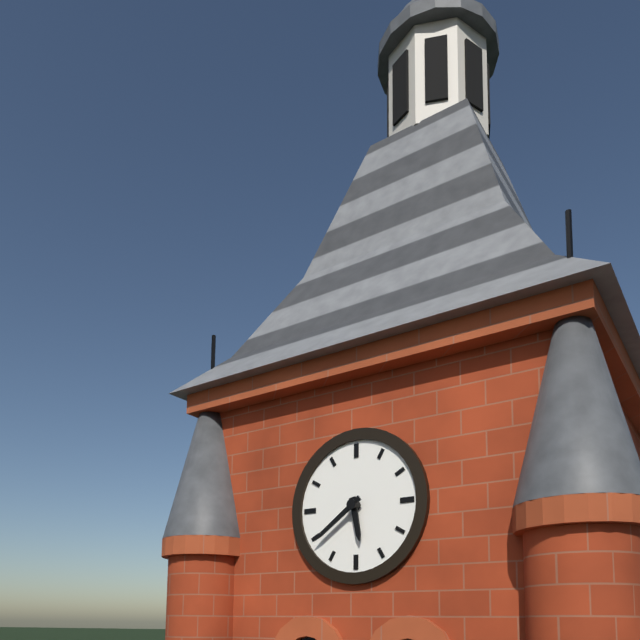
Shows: h=5 m=39
